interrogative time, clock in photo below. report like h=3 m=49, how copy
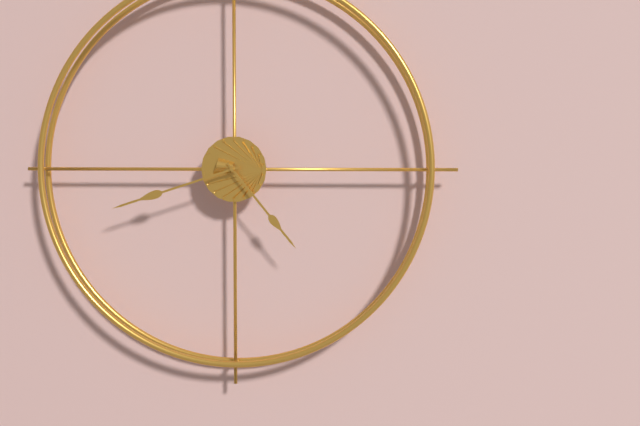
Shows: h=4 m=42
